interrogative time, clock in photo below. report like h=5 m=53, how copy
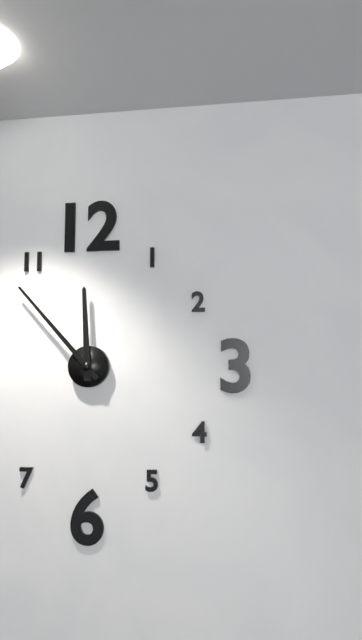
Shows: h=11 m=53
